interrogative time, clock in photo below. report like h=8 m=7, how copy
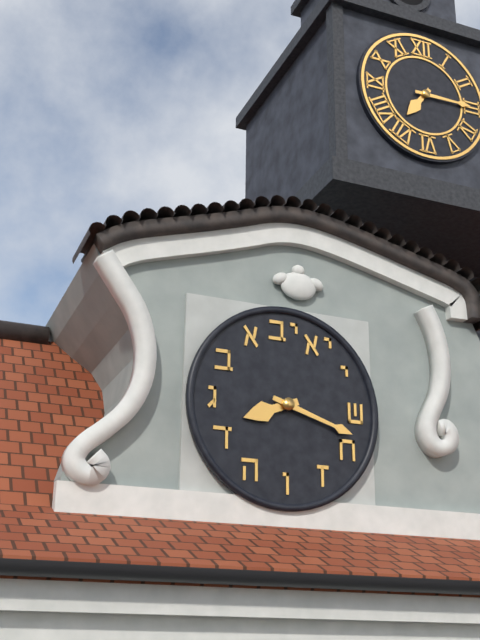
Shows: h=8 m=18
